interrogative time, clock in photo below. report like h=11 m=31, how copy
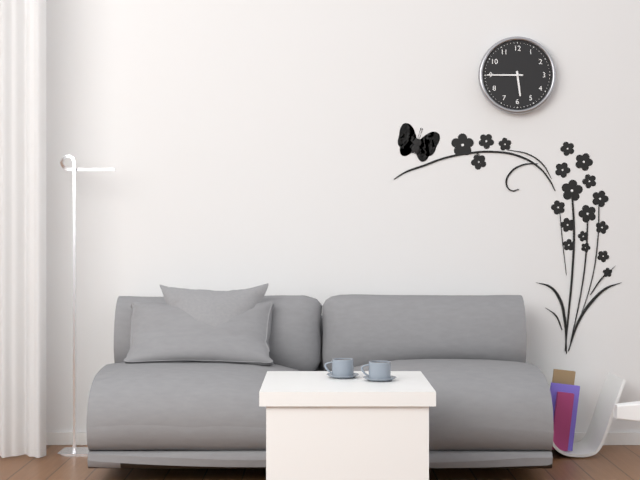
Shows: h=5 m=45
